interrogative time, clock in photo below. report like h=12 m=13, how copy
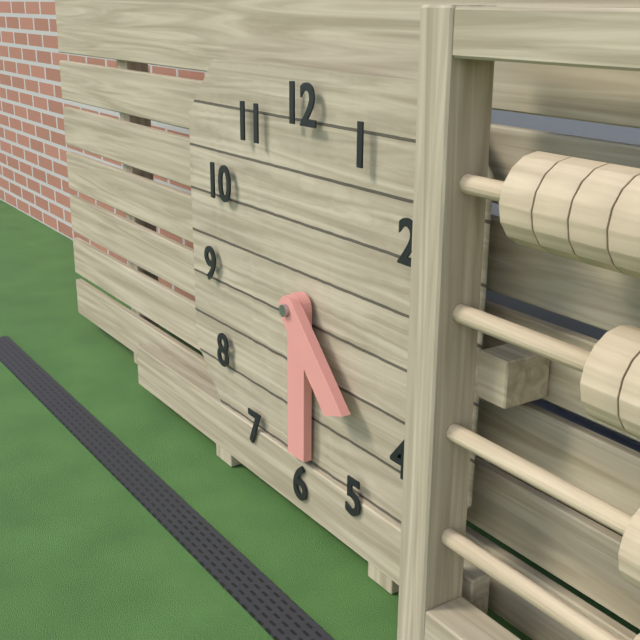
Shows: h=4 m=30
